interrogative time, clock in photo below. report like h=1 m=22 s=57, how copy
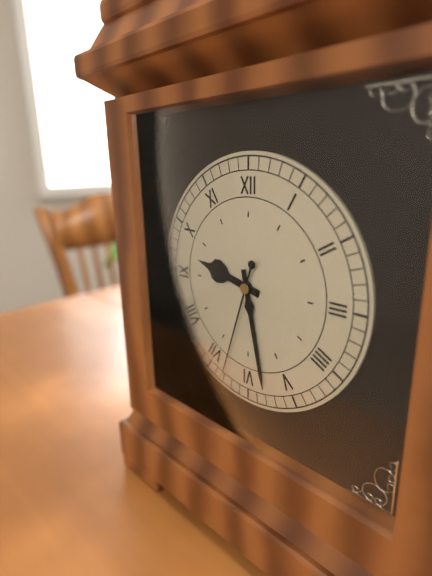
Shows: h=9 m=28 s=33
